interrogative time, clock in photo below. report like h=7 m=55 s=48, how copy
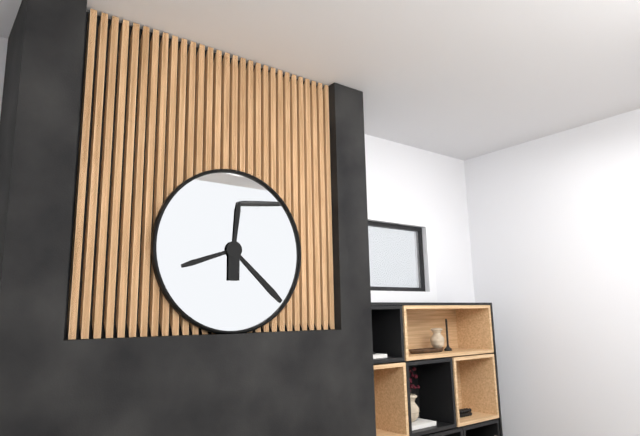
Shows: h=8 m=22 s=1
